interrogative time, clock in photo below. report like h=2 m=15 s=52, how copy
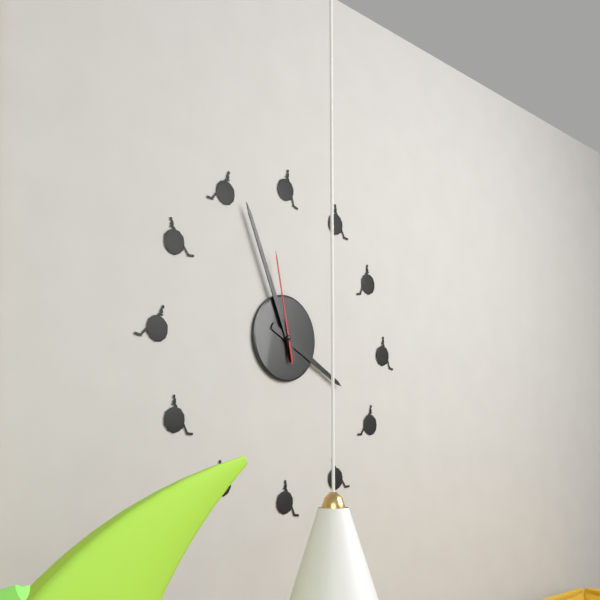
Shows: h=3 m=56 s=58
